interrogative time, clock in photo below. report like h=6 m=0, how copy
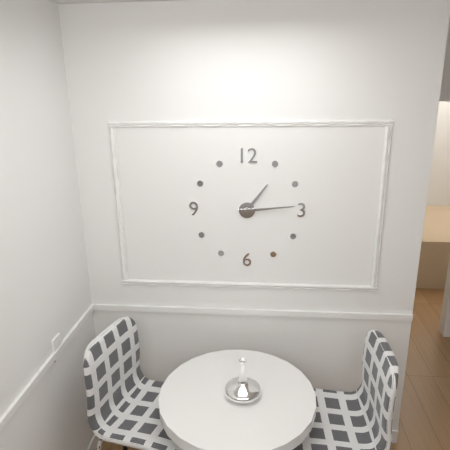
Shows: h=1 m=14
